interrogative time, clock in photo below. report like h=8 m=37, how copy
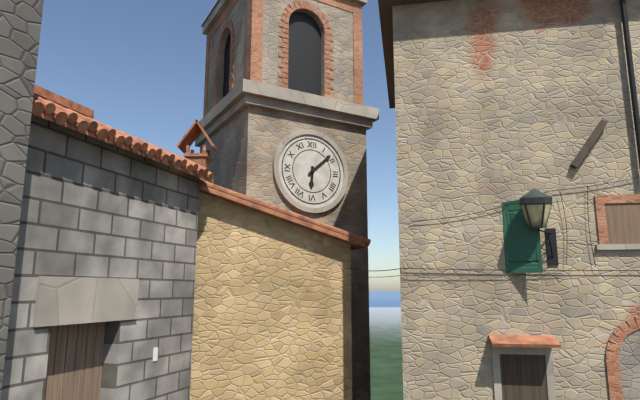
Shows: h=6 m=8
